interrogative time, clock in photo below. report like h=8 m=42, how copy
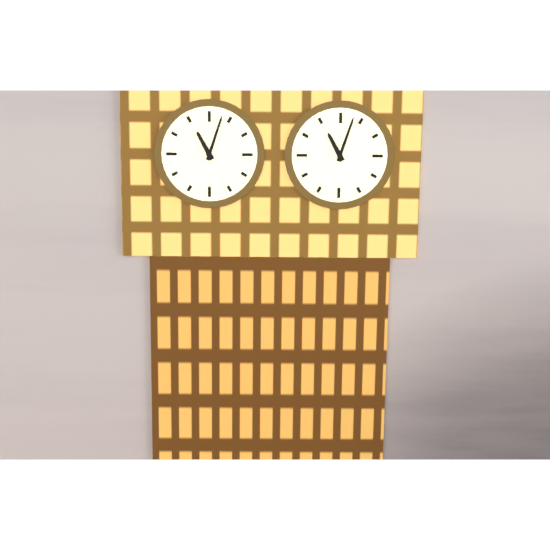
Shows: h=11 m=3
